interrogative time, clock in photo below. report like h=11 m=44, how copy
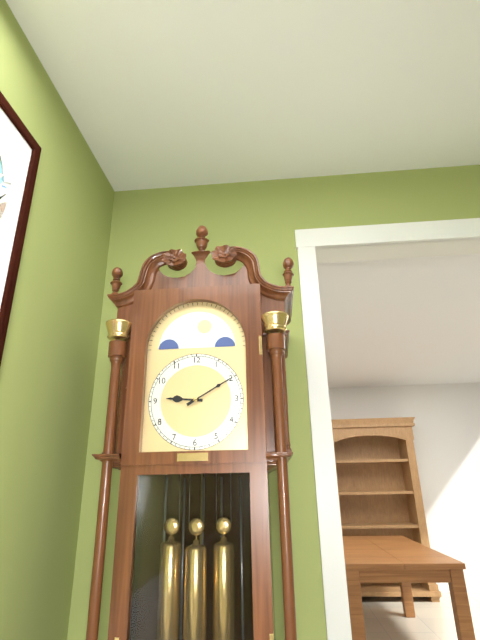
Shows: h=9 m=10
